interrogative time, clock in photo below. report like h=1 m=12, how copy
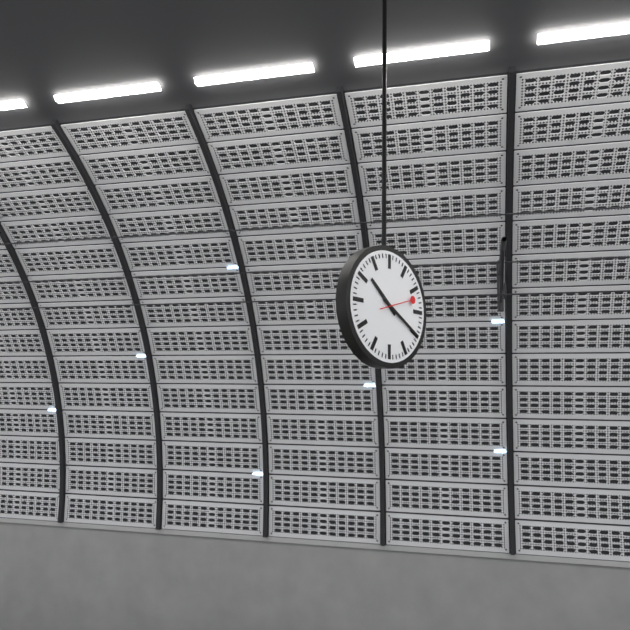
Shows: h=10 m=20
